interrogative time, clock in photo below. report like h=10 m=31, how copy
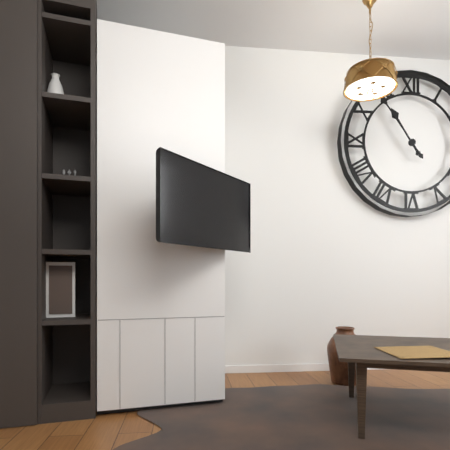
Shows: h=10 m=54
